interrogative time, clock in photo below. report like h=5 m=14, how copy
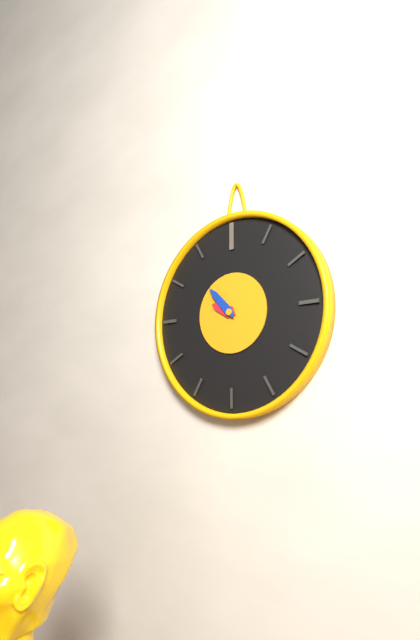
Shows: h=9 m=53
